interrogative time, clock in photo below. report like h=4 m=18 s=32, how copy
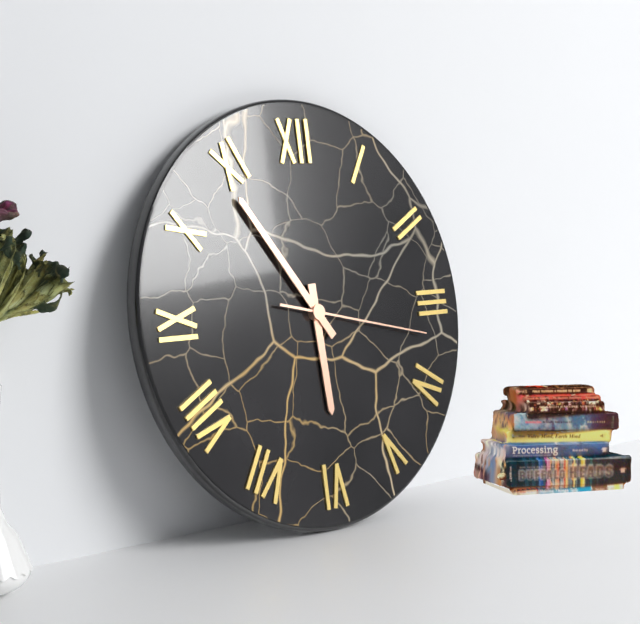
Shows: h=5 m=54 s=17
